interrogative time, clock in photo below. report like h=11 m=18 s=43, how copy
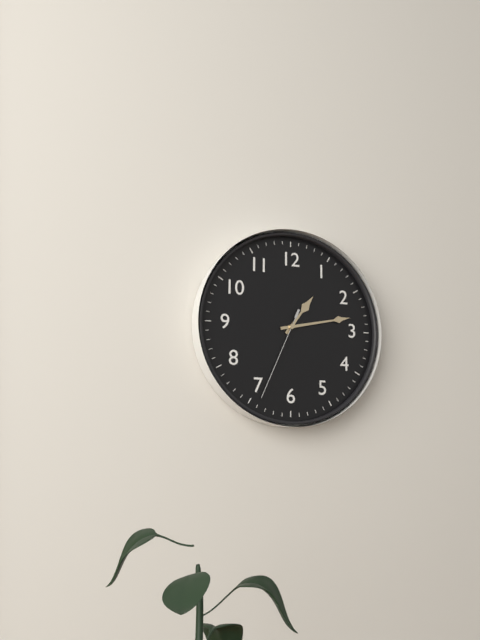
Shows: h=1 m=13 s=34
